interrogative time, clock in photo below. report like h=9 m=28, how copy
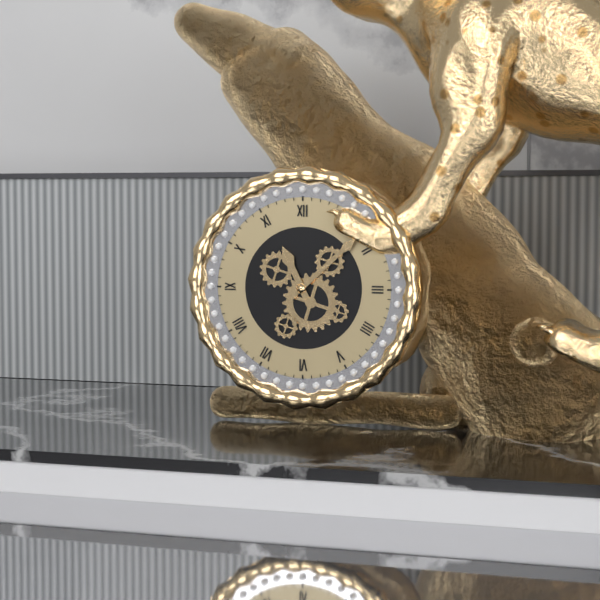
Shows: h=11 m=8
